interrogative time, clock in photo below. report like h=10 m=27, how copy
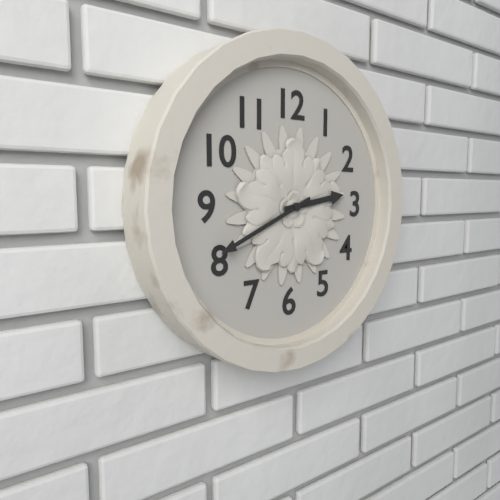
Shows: h=2 m=41
